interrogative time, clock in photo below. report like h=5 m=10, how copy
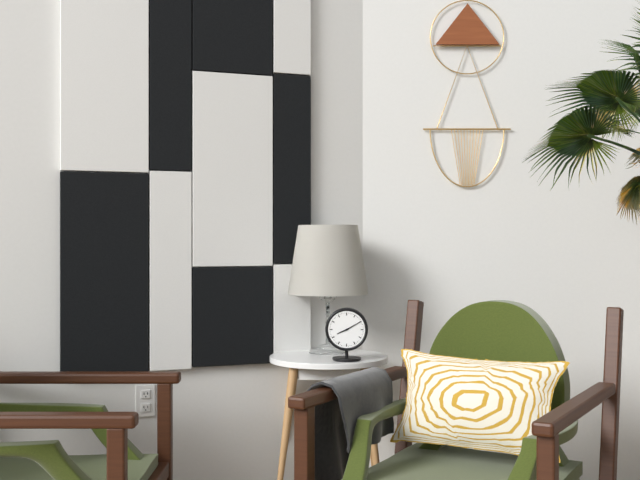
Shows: h=8 m=10
